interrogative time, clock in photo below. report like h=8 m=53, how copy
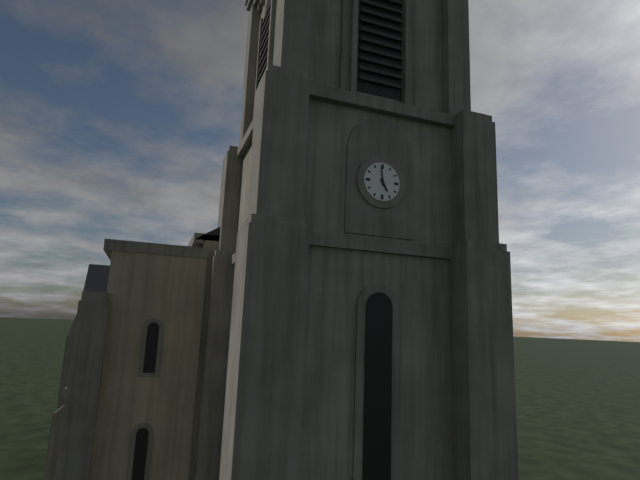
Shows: h=4 m=59
